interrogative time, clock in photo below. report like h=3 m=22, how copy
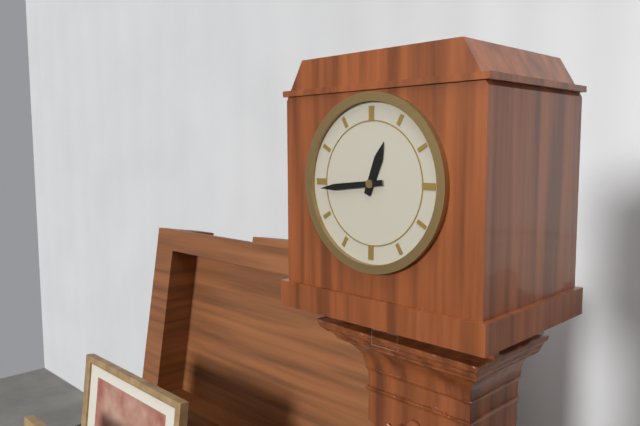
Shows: h=12 m=44
